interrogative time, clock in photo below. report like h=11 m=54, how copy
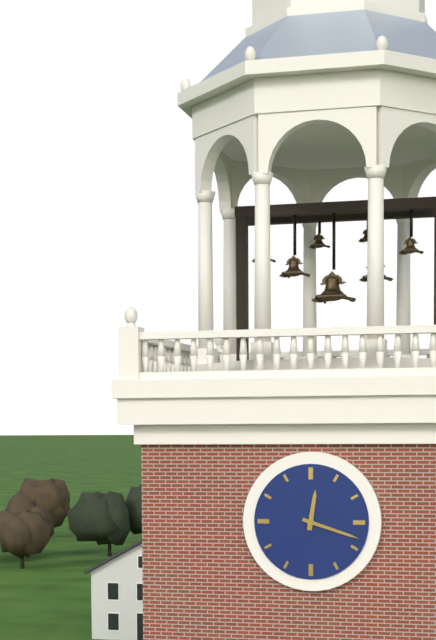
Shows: h=12 m=18
